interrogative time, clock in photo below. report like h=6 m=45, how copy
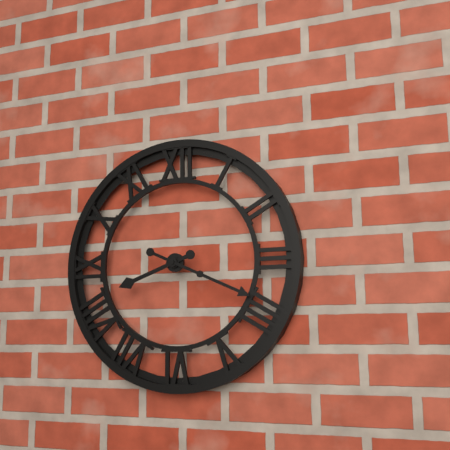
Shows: h=8 m=19
